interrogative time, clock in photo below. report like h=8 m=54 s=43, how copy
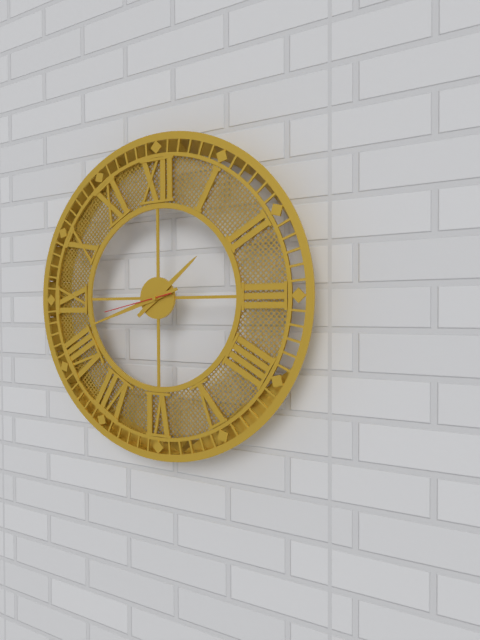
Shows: h=1 m=42 s=43
